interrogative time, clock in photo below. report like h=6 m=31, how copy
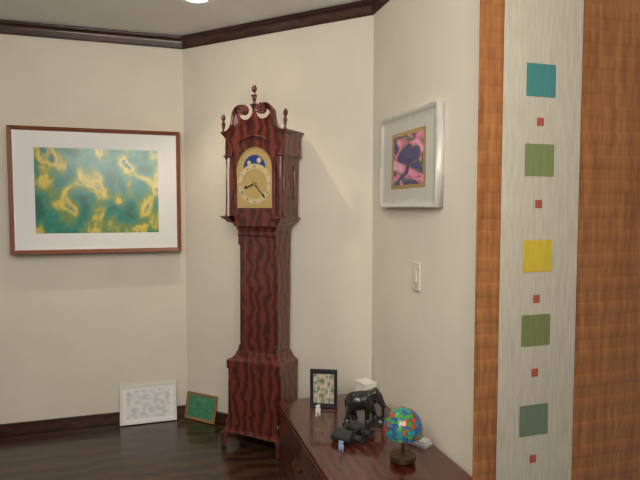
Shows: h=8 m=23
